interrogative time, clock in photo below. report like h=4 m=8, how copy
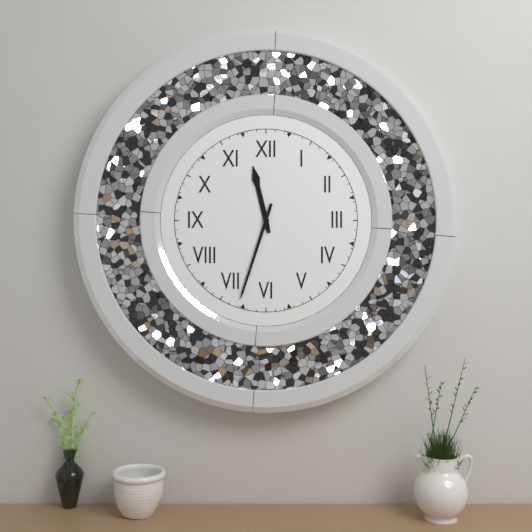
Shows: h=11 m=33
